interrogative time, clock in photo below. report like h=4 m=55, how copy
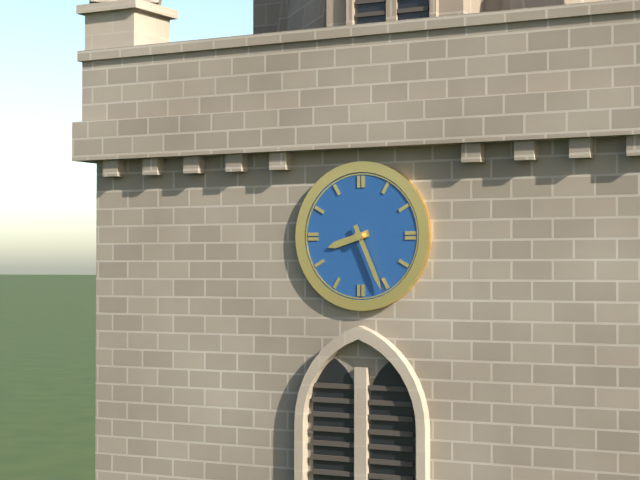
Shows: h=8 m=26
